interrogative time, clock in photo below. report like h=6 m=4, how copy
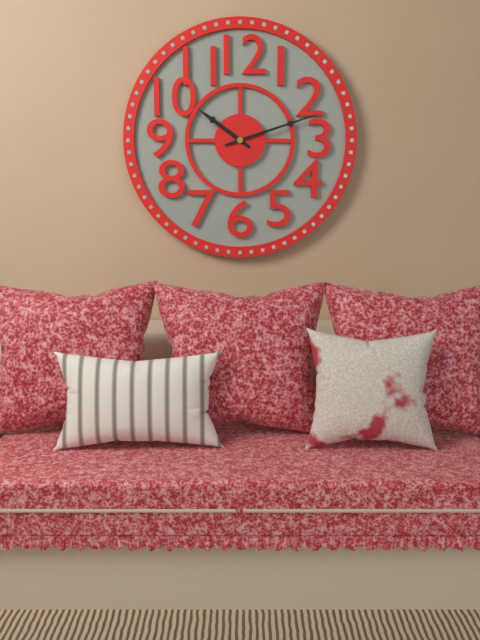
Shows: h=10 m=12
